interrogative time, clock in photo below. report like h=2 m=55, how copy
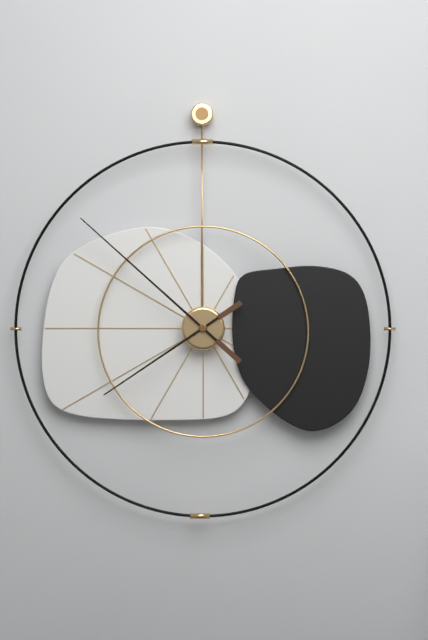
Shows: h=7 m=52
